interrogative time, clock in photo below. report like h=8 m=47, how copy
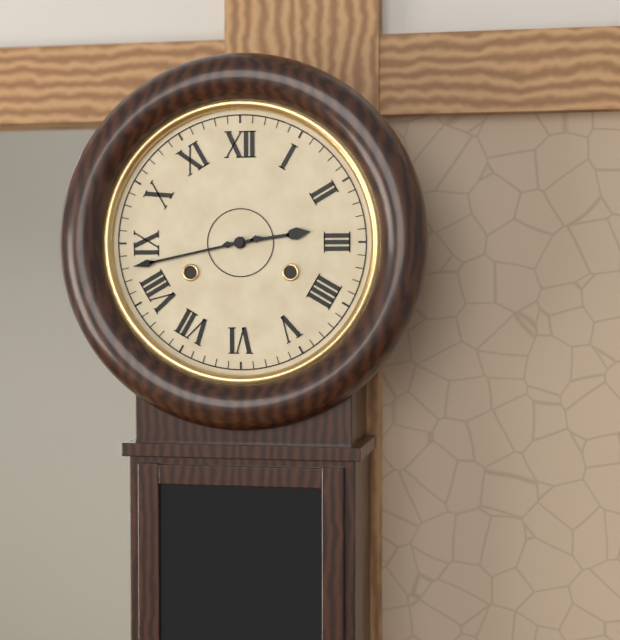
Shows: h=2 m=43
